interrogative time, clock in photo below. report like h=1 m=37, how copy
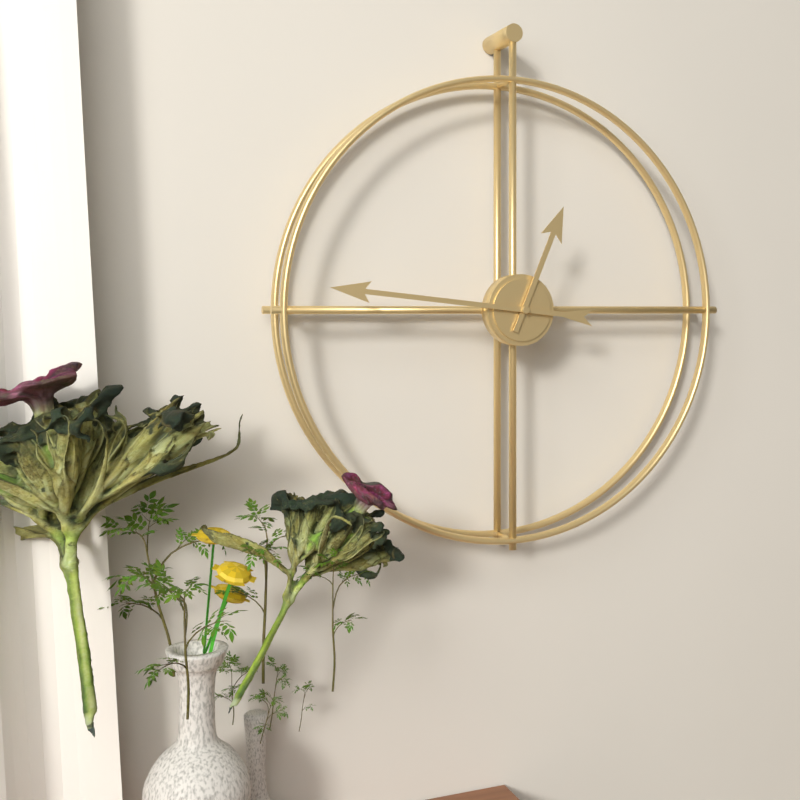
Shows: h=12 m=46
